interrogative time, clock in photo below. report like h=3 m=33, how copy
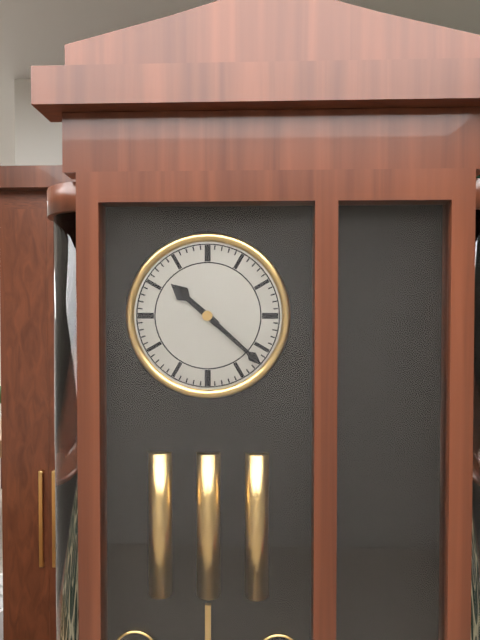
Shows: h=10 m=22
